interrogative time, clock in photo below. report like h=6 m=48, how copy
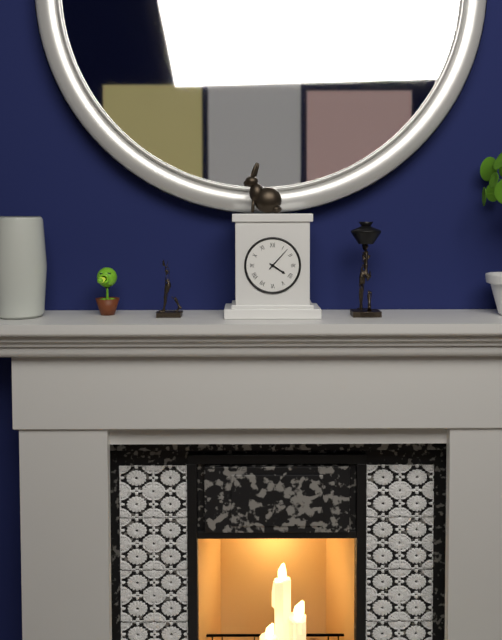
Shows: h=4 m=7
